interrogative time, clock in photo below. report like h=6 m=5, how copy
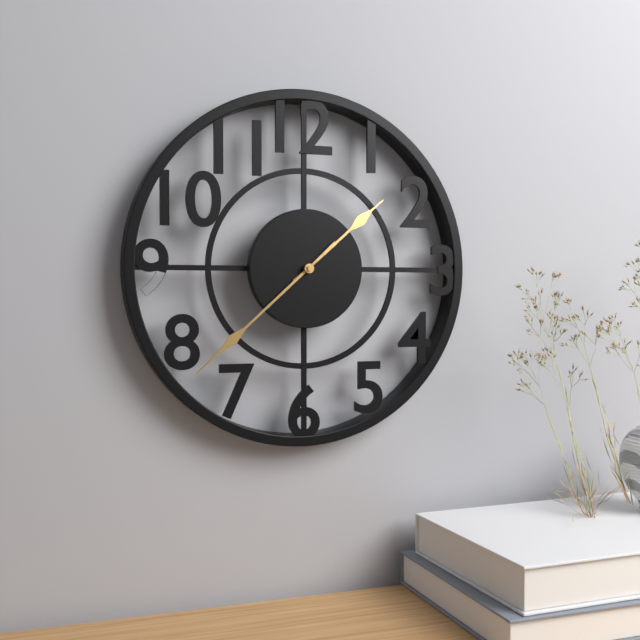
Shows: h=1 m=38
